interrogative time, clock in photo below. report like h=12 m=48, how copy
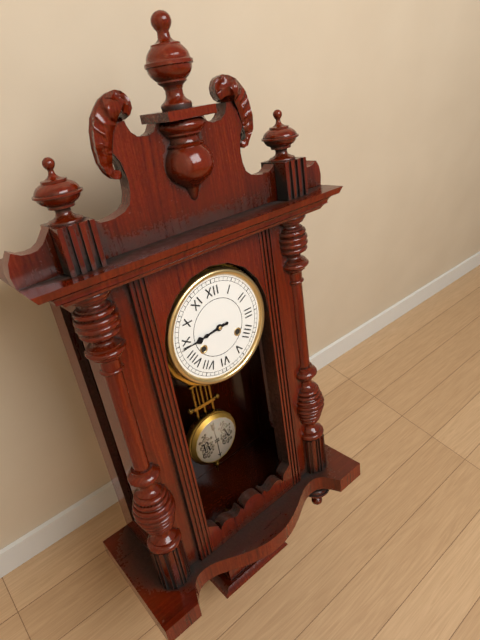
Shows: h=8 m=44
